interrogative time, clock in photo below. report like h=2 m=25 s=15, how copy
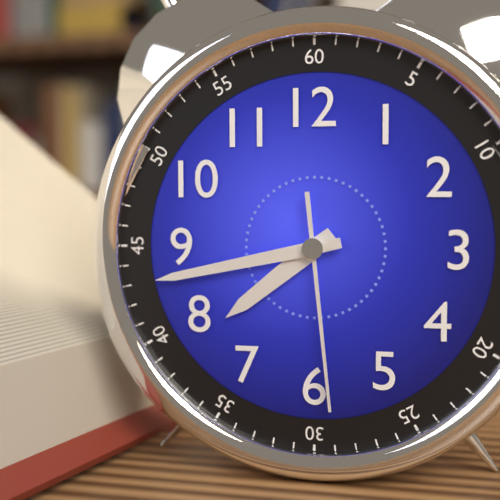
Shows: h=7 m=43 s=29
